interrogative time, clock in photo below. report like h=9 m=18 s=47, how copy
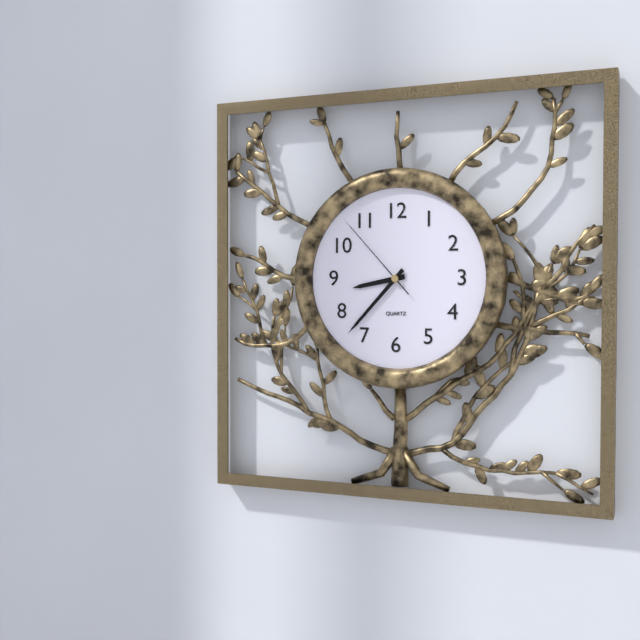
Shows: h=8 m=37 s=53
